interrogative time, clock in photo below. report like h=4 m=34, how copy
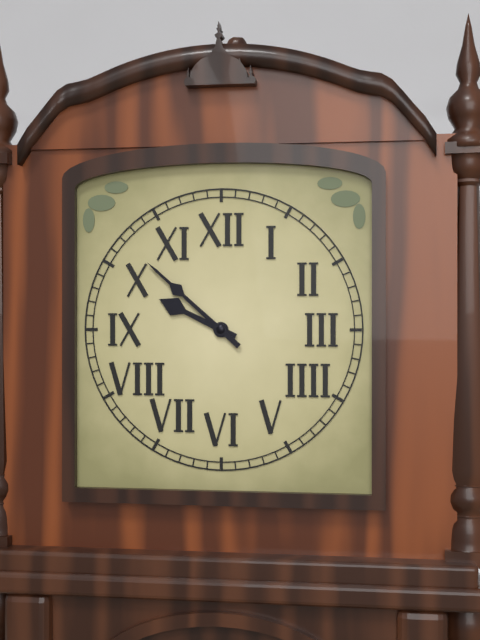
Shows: h=9 m=52
